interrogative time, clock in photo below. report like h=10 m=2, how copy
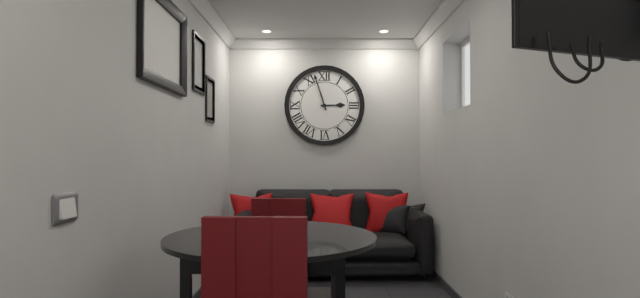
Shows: h=2 m=57
